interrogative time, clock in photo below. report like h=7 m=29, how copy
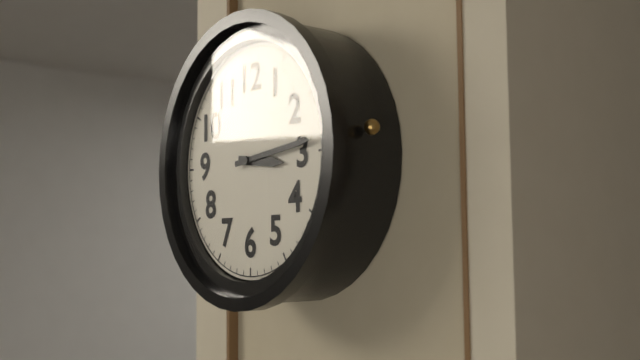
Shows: h=3 m=14
